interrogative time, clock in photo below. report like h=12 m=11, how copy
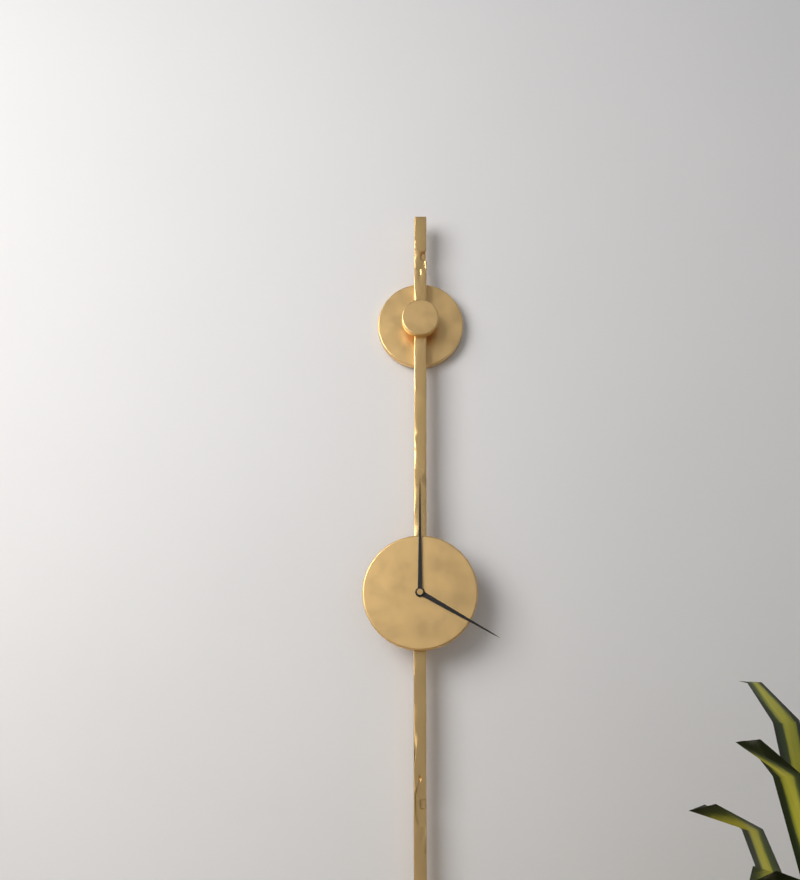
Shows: h=4 m=0
